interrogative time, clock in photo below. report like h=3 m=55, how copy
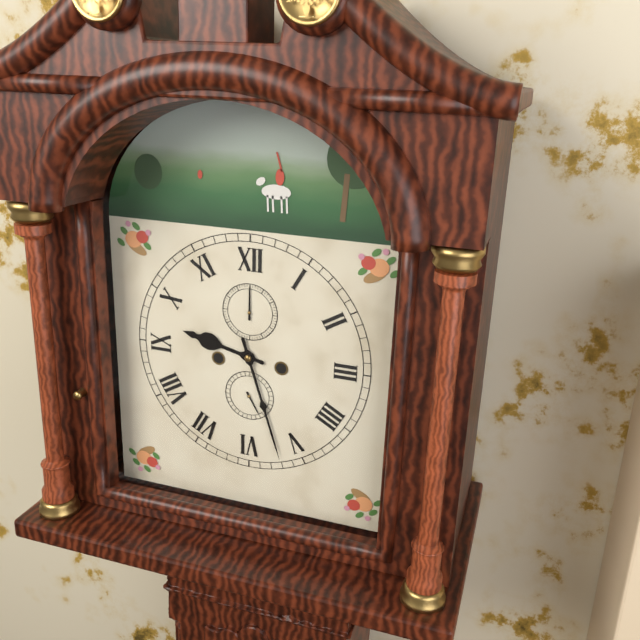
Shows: h=9 m=27
